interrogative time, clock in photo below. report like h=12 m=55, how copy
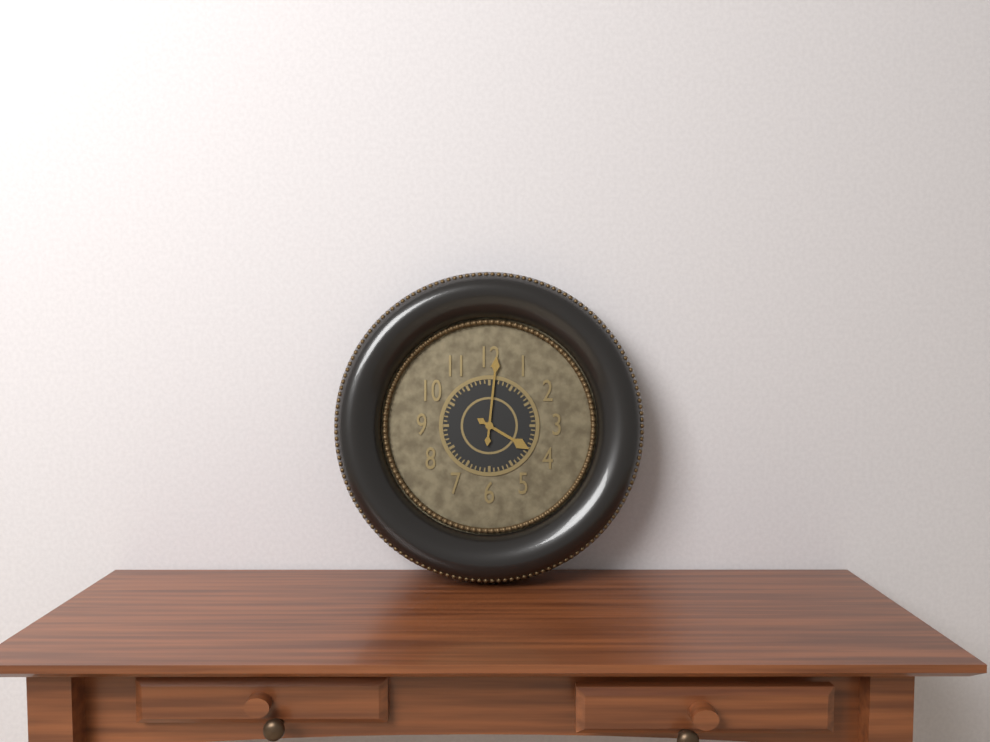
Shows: h=4 m=1
